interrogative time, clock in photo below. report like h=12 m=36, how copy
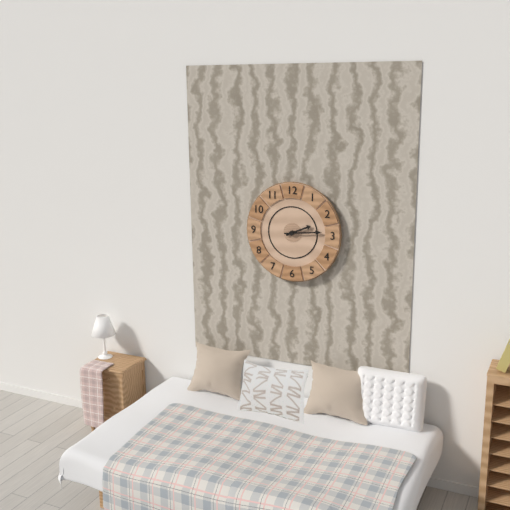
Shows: h=2 m=14
